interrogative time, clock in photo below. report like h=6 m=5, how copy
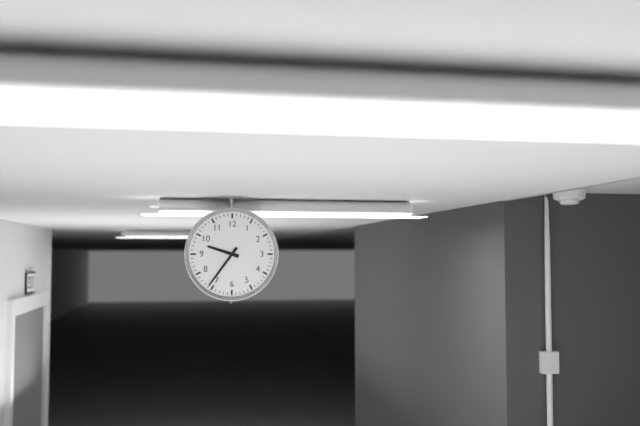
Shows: h=9 m=36
